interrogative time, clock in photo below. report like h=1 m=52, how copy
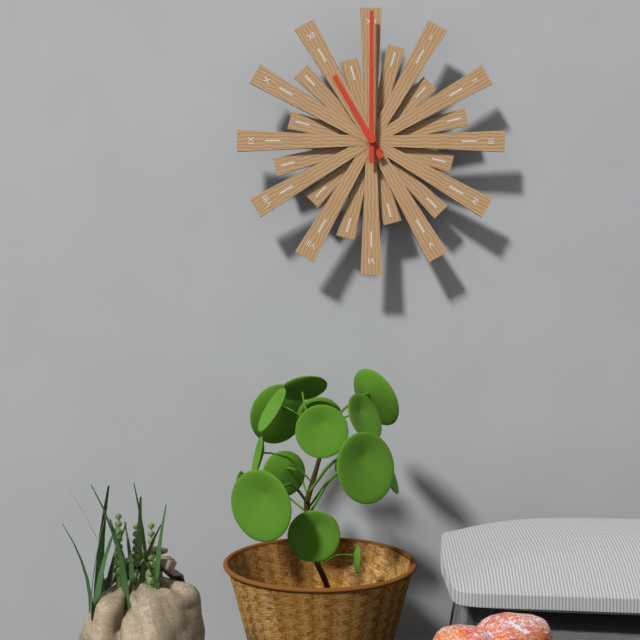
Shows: h=11 m=0
